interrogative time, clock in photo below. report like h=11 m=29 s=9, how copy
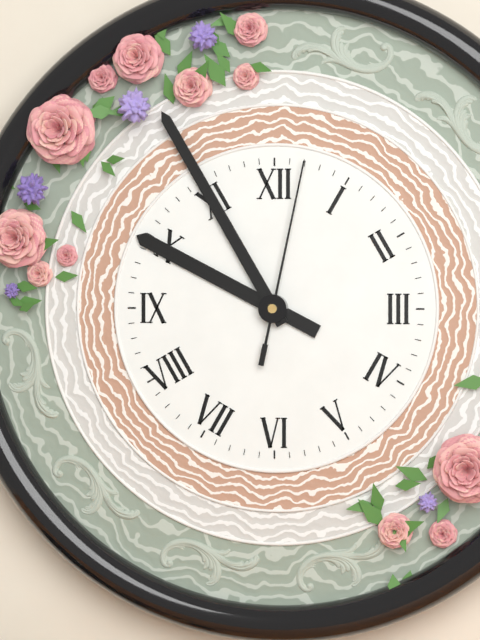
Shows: h=9 m=55 s=2
